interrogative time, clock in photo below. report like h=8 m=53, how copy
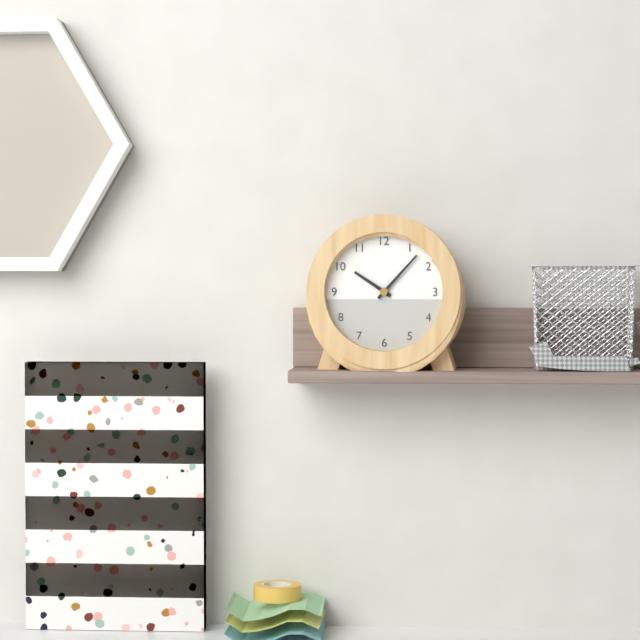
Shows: h=10 m=7
